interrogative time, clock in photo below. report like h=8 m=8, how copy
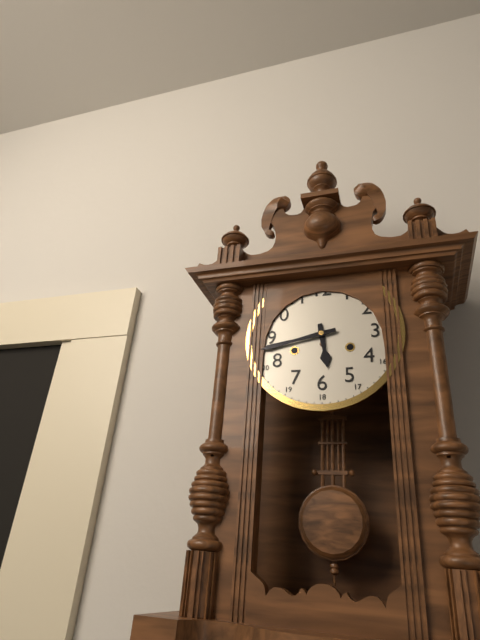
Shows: h=5 m=43
